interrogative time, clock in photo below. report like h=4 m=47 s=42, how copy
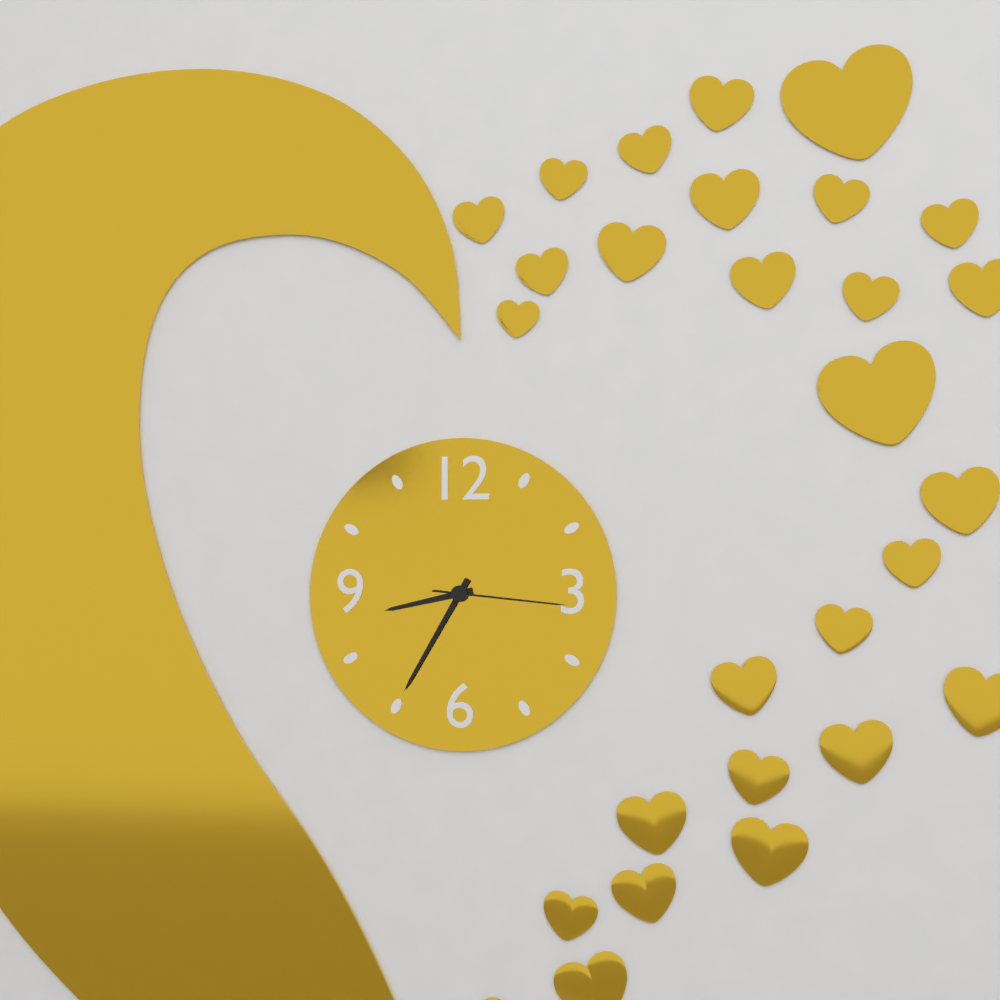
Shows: h=8 m=35 s=16
